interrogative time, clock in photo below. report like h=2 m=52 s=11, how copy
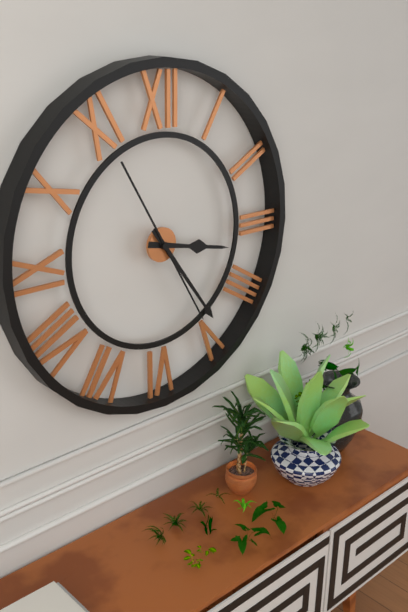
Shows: h=3 m=24 s=25
